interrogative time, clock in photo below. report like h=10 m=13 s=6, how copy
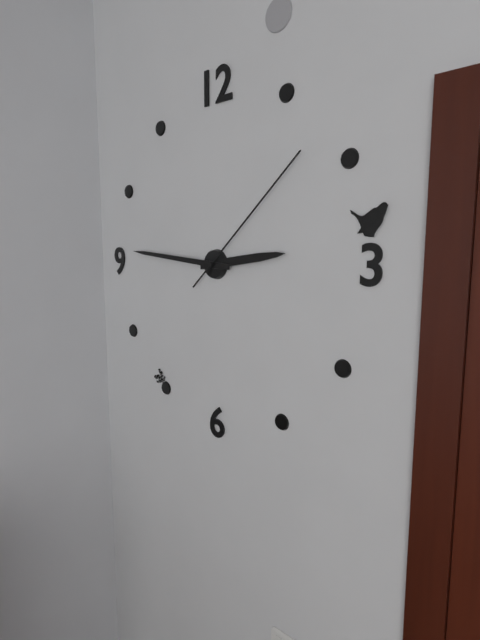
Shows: h=2 m=46 s=8
